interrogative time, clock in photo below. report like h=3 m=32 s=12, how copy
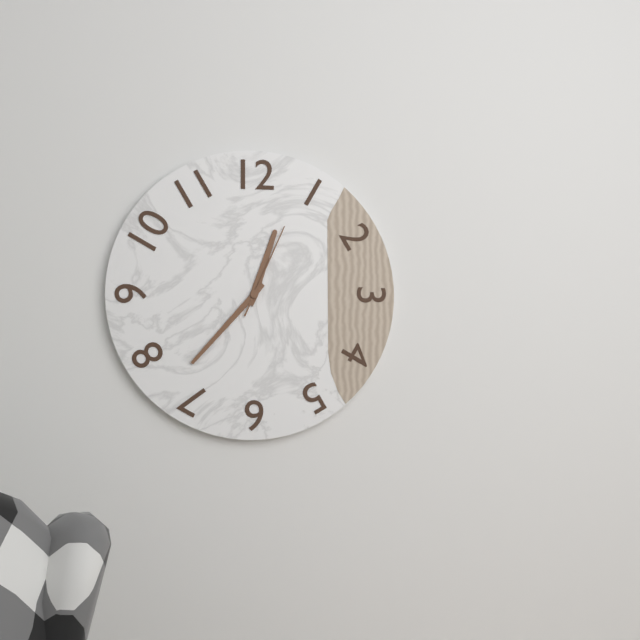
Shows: h=12 m=37 s=4
